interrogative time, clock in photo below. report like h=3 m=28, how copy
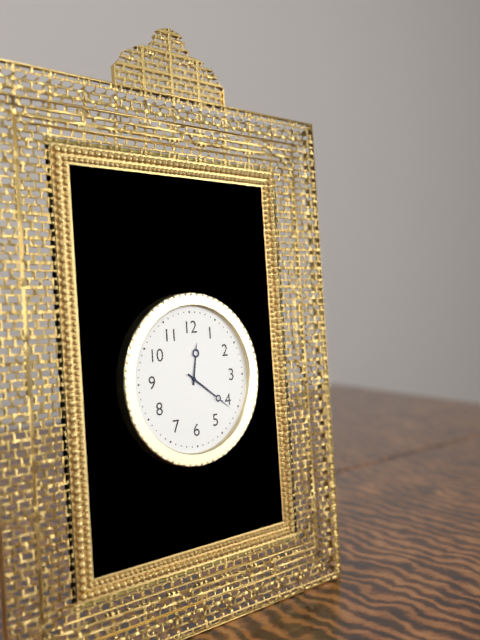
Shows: h=12 m=21
